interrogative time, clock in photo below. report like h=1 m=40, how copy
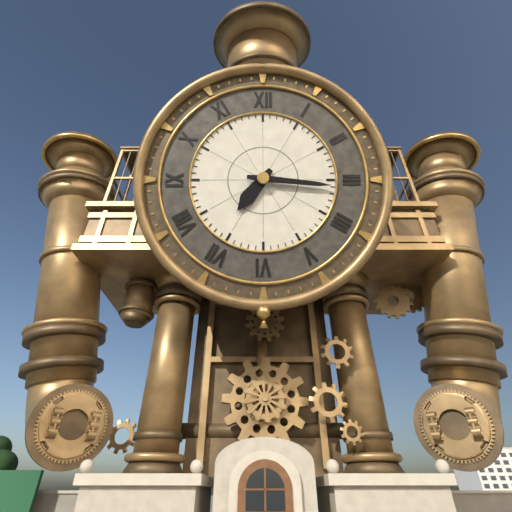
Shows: h=7 m=16
